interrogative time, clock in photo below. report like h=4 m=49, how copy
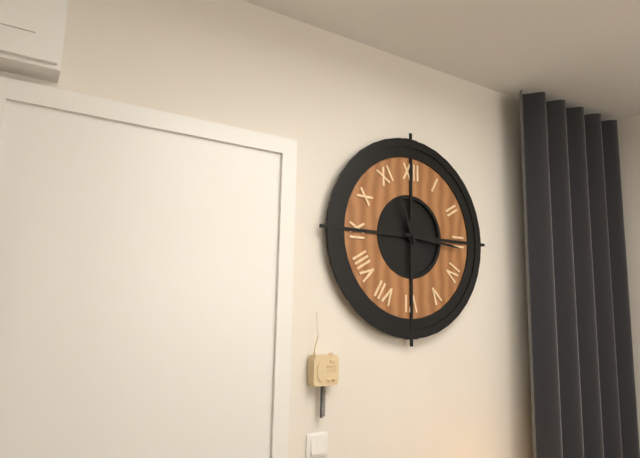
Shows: h=11 m=16
